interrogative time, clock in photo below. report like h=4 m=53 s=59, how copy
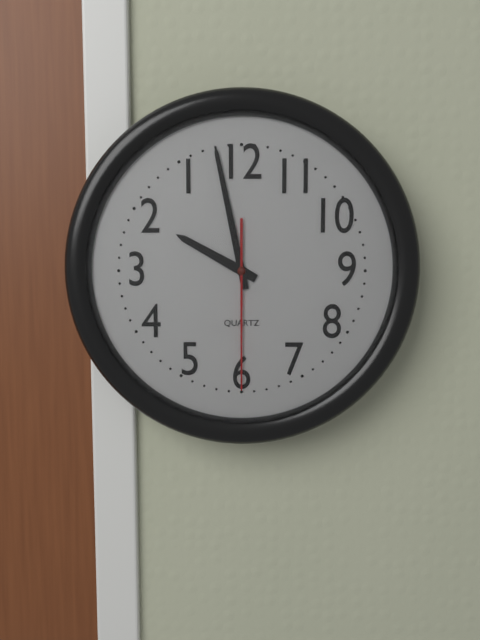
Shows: h=9 m=58 s=30
